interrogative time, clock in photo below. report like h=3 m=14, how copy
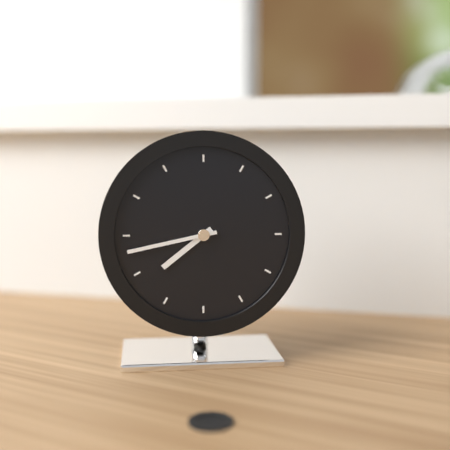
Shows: h=7 m=43
